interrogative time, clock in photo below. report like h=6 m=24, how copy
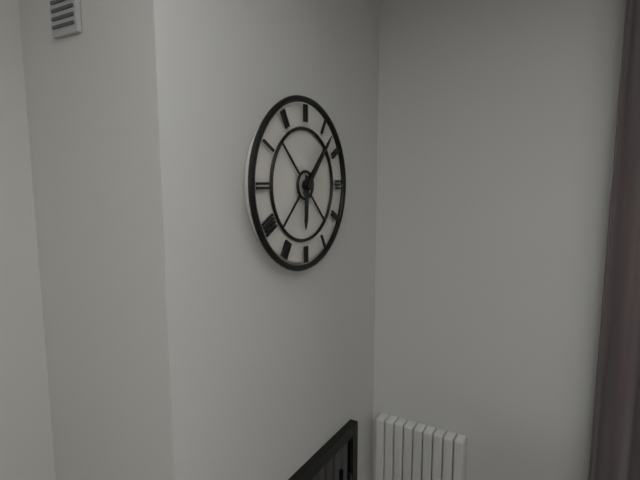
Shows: h=6 m=7
